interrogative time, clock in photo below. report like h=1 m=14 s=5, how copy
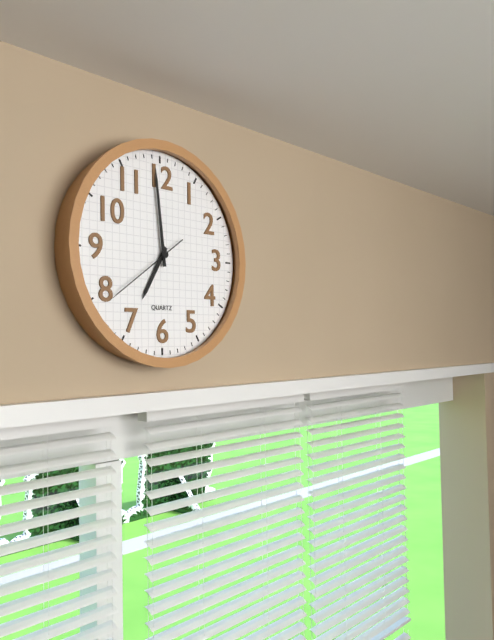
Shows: h=6 m=59 s=39
